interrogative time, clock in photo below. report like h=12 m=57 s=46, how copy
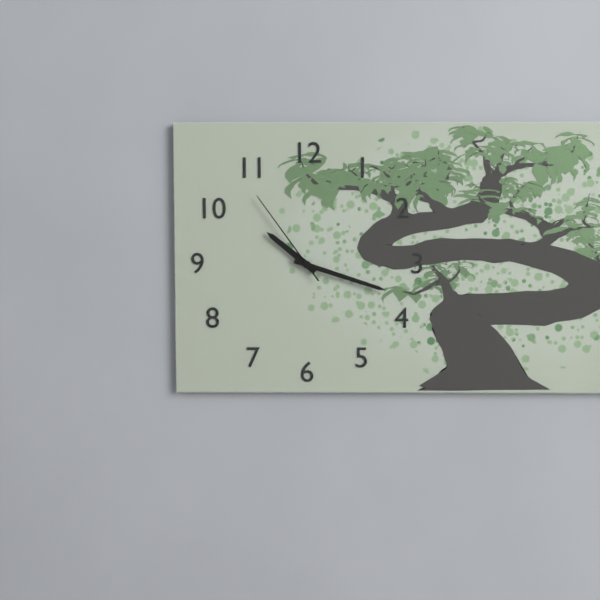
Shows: h=10 m=18 s=54
